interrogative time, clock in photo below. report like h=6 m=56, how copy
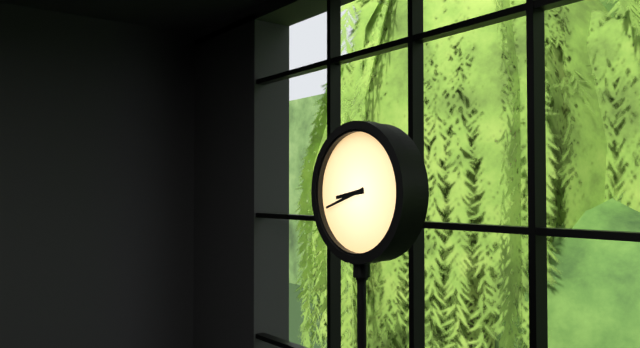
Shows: h=8 m=42
